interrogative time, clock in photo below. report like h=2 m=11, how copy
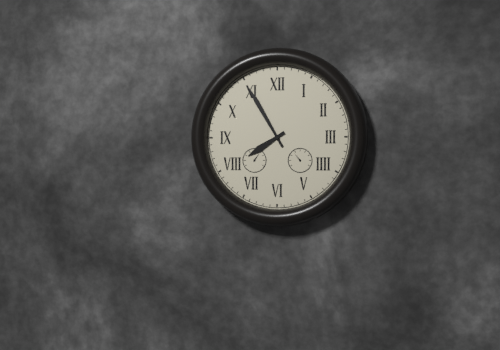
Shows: h=7 m=55
